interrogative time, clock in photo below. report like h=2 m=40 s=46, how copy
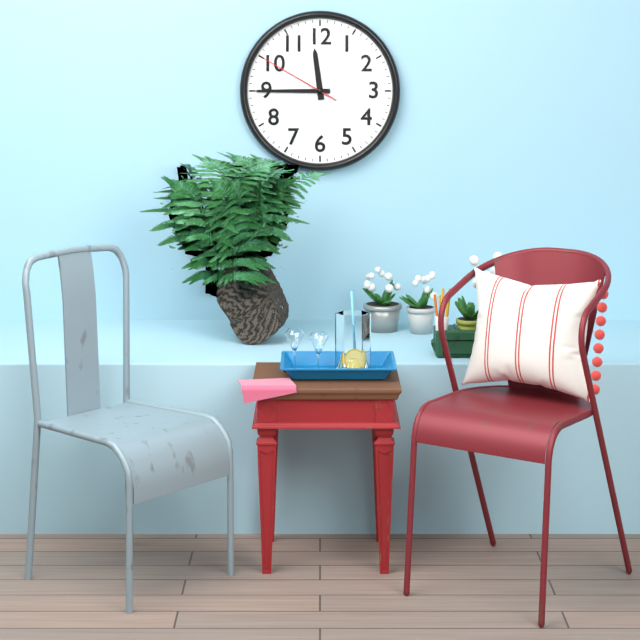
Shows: h=11 m=45 s=50
